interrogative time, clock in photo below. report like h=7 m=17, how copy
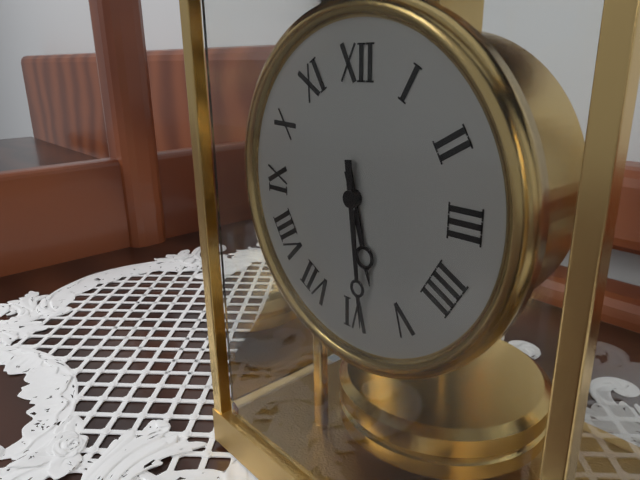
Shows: h=5 m=29
